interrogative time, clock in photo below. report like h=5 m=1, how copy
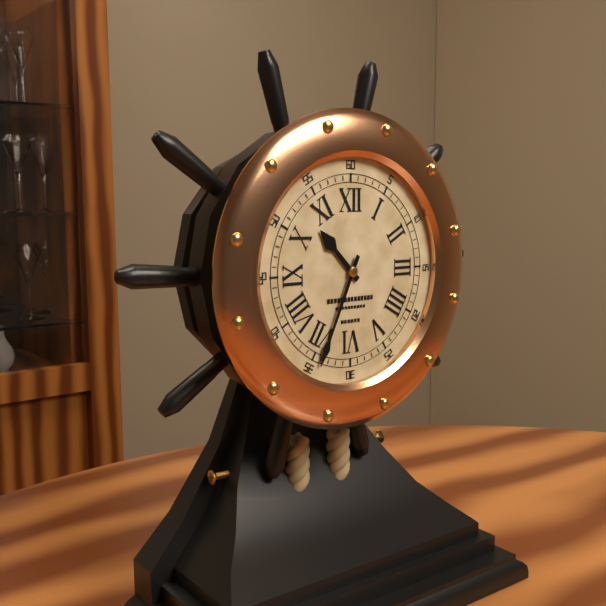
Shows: h=10 m=34
